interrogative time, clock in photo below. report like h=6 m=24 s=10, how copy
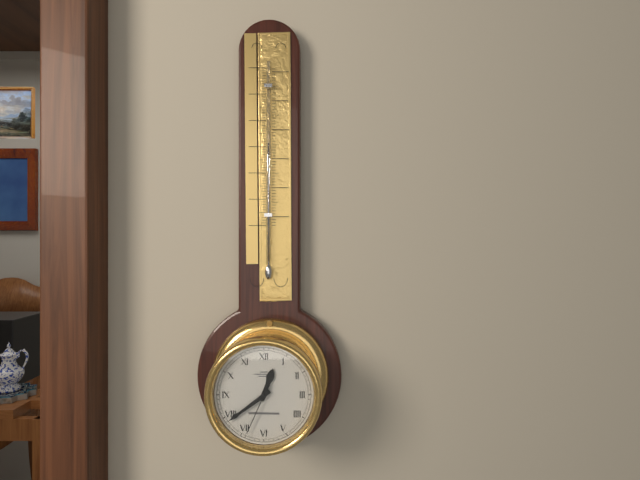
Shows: h=12 m=39 s=34
